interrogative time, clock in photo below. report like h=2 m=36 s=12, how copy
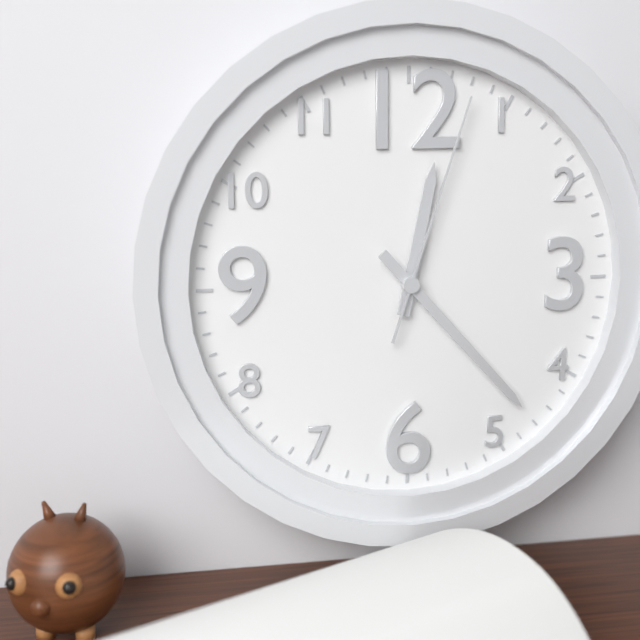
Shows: h=12 m=23 s=3
